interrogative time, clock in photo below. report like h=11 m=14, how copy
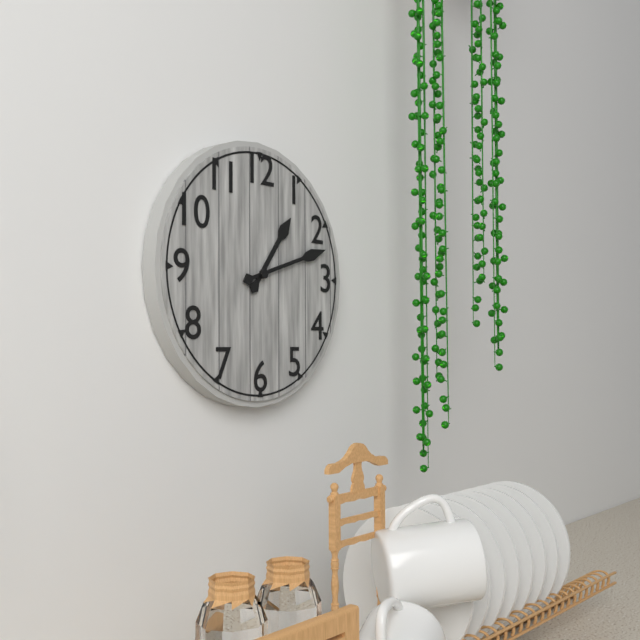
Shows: h=1 m=12
